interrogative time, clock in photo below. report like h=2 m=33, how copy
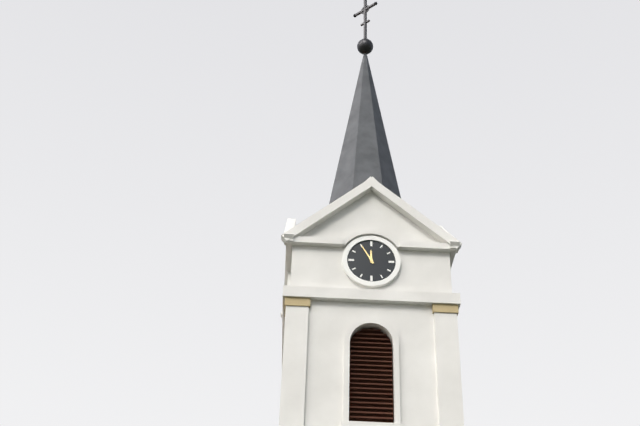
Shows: h=11 m=55
